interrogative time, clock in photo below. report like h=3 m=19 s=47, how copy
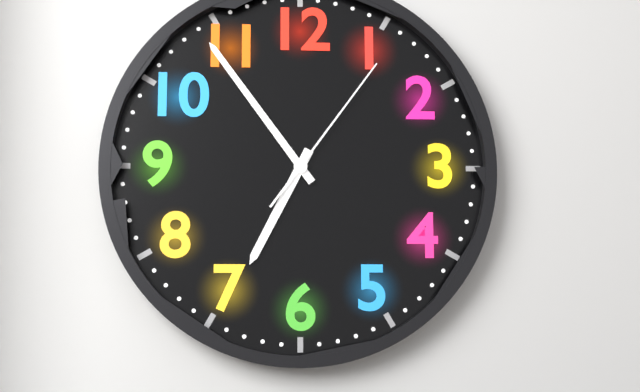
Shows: h=6 m=54 s=6
